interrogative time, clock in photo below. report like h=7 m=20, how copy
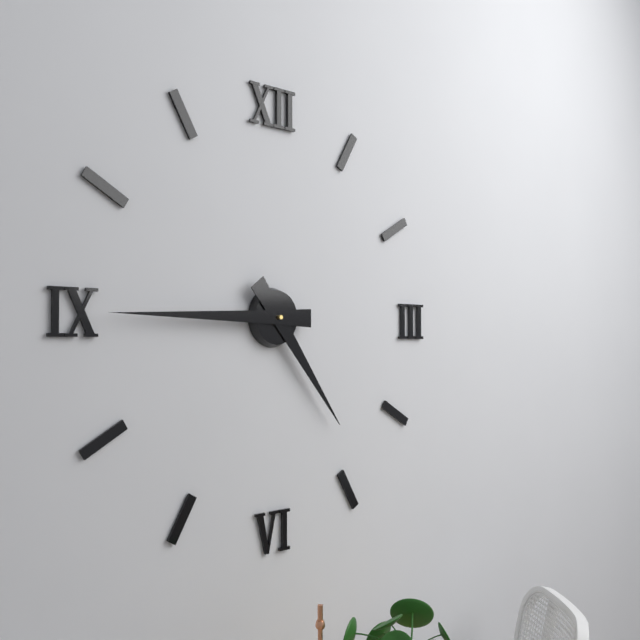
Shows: h=4 m=45
